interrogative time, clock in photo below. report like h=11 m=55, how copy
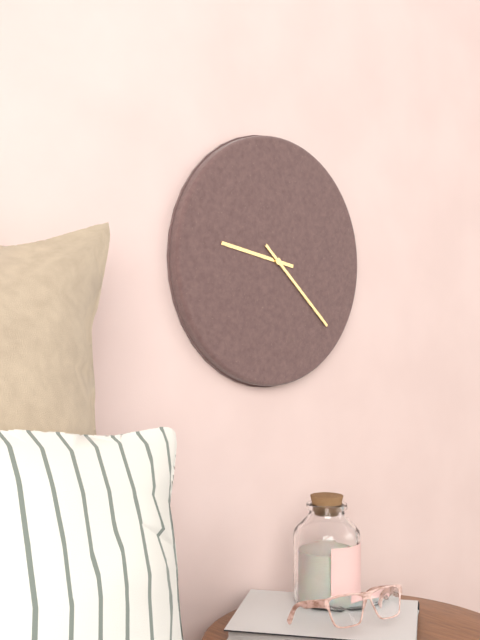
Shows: h=9 m=22
